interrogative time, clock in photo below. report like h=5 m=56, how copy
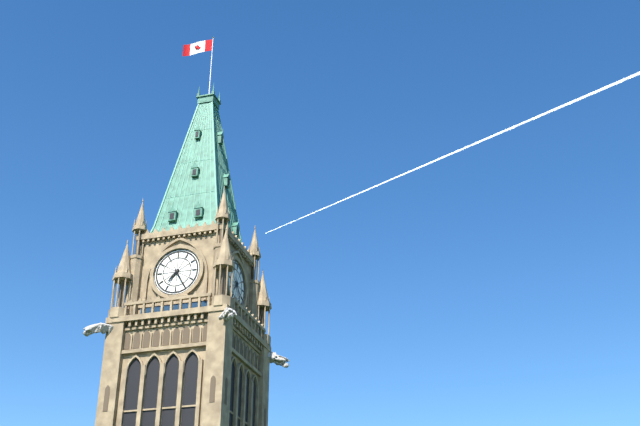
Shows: h=7 m=25
